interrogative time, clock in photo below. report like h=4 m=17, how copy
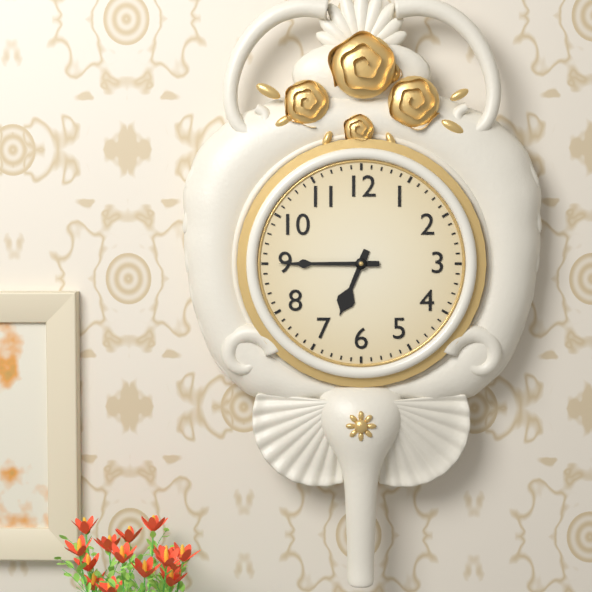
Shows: h=6 m=45
